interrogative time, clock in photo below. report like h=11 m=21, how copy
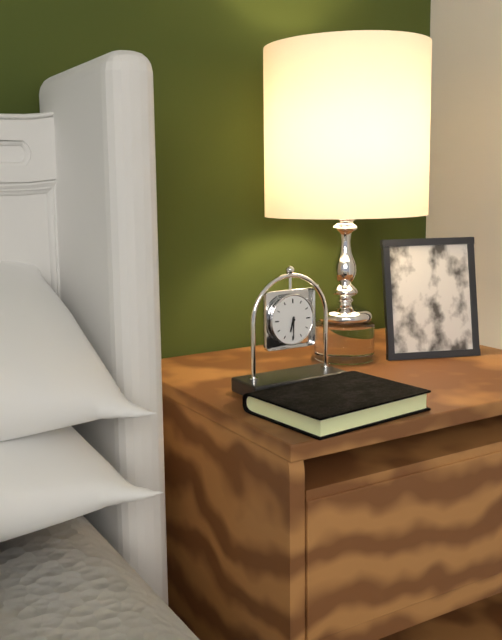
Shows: h=6 m=30
